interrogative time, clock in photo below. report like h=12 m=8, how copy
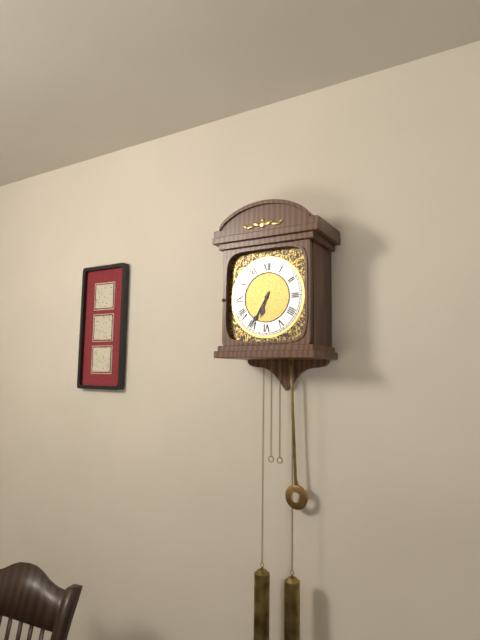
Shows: h=6 m=35
